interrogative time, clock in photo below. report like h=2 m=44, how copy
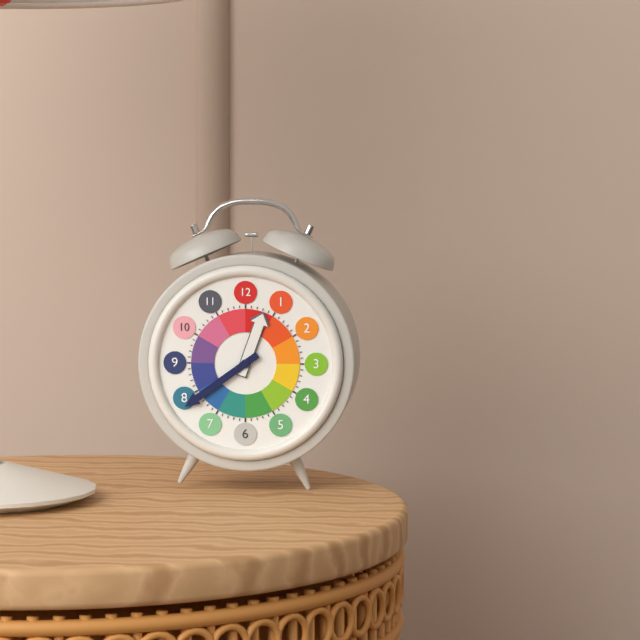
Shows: h=12 m=39
